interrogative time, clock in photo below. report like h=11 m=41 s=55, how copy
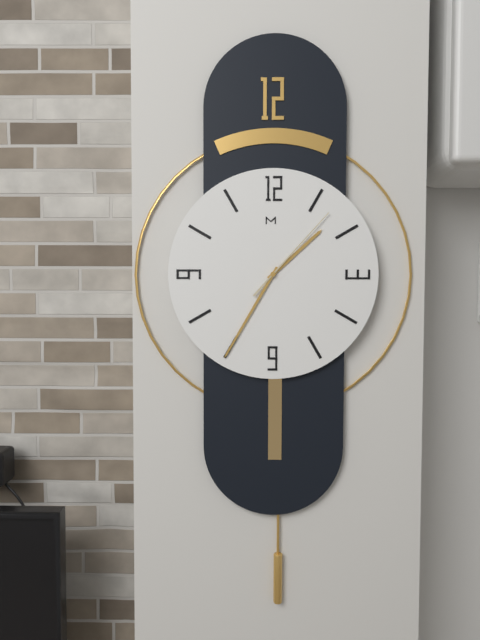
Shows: h=1 m=35 s=7
